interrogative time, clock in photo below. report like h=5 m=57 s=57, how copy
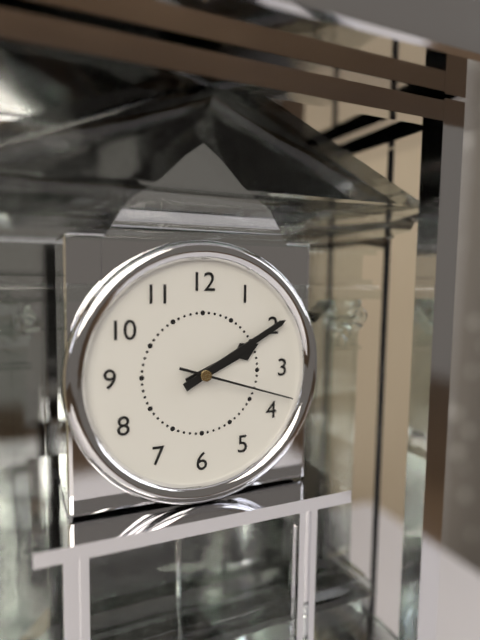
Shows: h=2 m=10 s=18
